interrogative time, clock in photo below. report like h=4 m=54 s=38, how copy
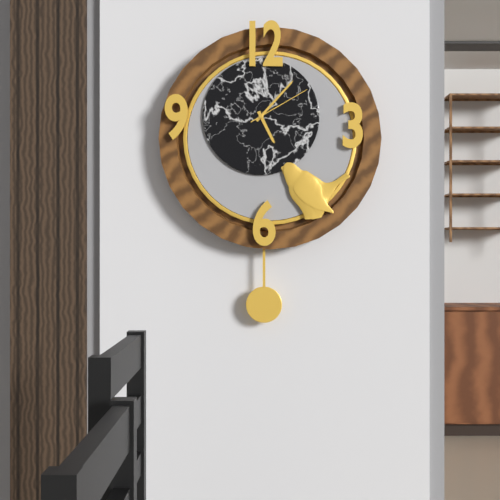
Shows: h=5 m=7 s=10
